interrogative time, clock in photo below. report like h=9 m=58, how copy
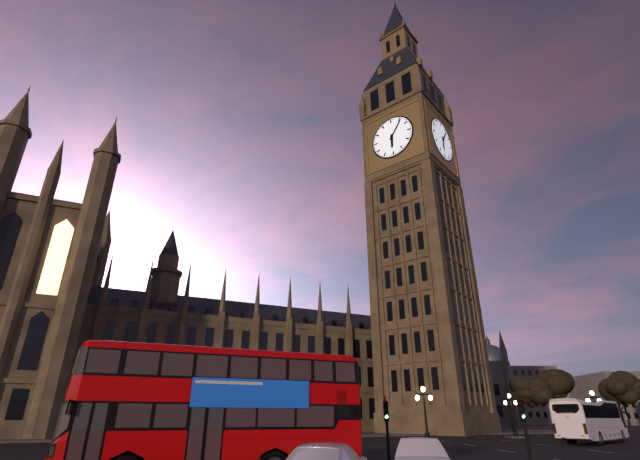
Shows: h=6 m=6
